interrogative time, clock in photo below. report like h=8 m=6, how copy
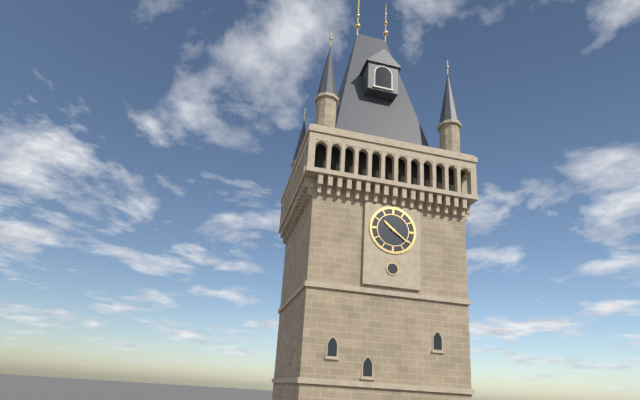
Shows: h=10 m=21
